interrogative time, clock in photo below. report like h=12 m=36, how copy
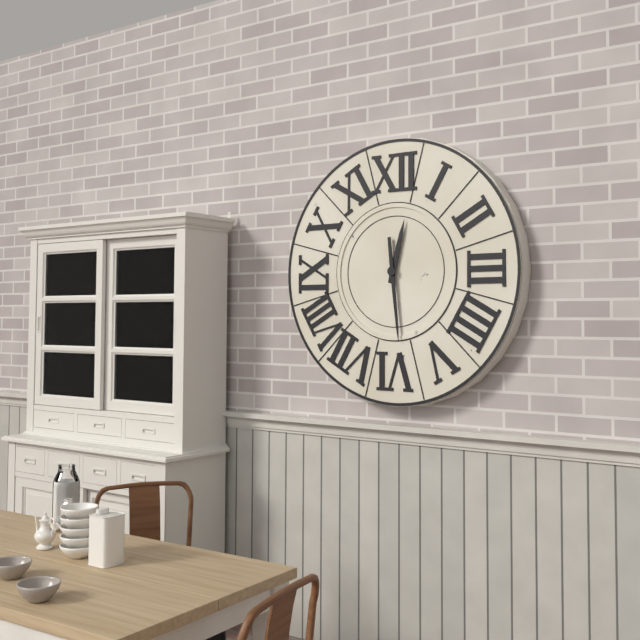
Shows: h=12 m=29
